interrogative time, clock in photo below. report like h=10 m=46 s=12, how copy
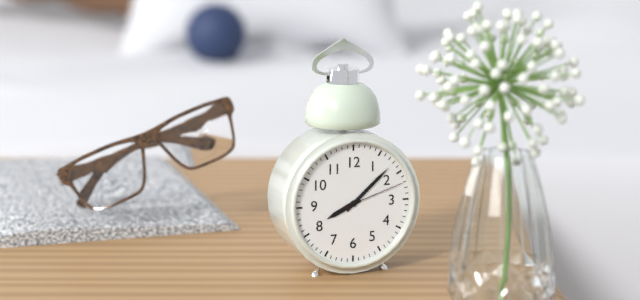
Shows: h=8 m=8 s=12
